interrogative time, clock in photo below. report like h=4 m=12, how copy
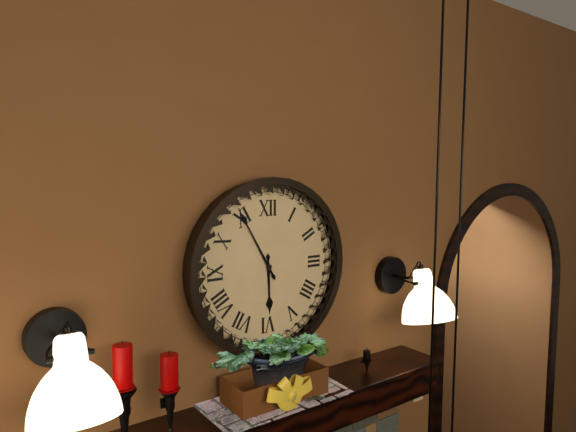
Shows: h=5 m=55
